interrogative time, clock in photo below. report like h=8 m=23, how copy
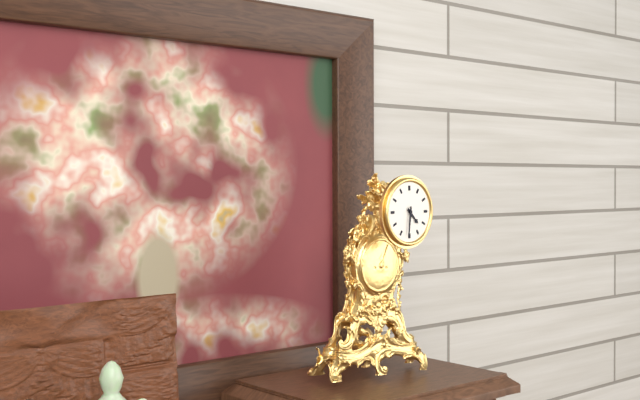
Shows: h=4 m=31
